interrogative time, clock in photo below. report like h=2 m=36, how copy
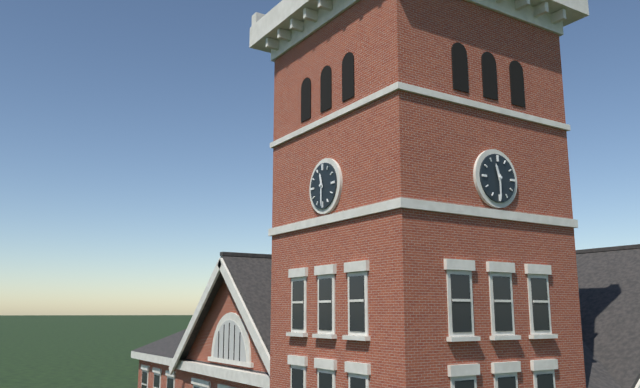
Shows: h=11 m=30
